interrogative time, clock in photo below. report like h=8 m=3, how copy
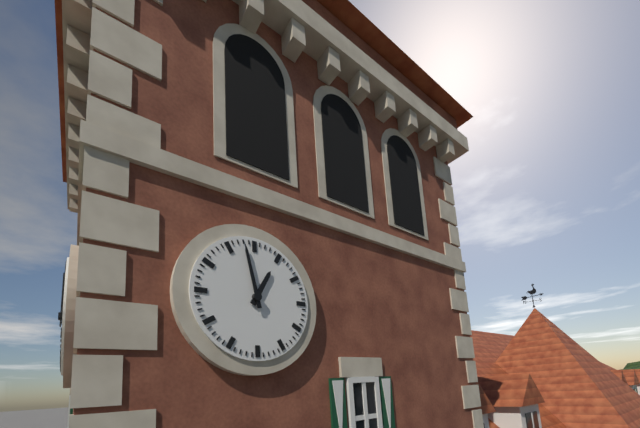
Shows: h=12 m=58
